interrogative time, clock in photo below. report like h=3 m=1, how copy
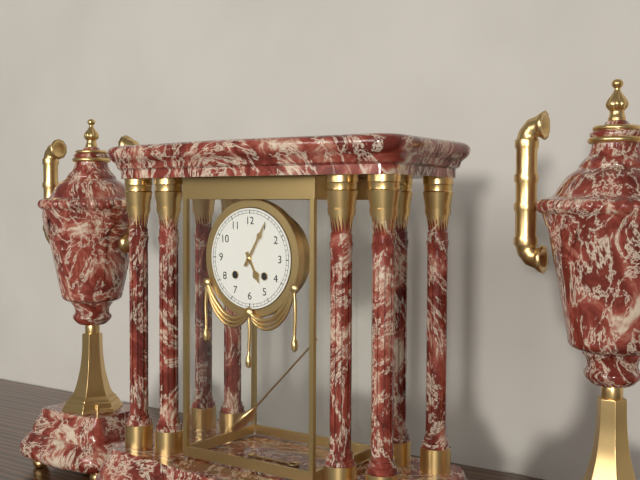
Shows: h=5 m=5
